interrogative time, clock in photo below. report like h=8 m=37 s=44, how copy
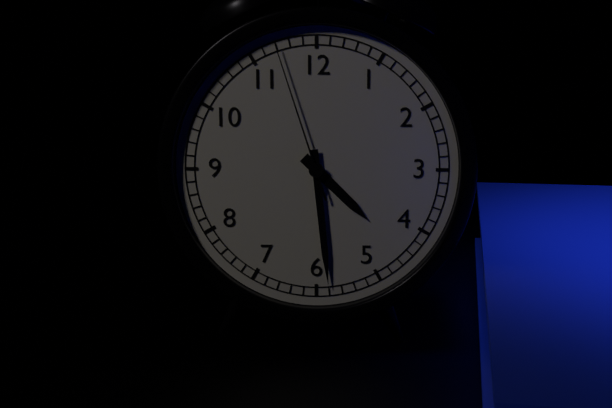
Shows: h=4 m=29 s=57
